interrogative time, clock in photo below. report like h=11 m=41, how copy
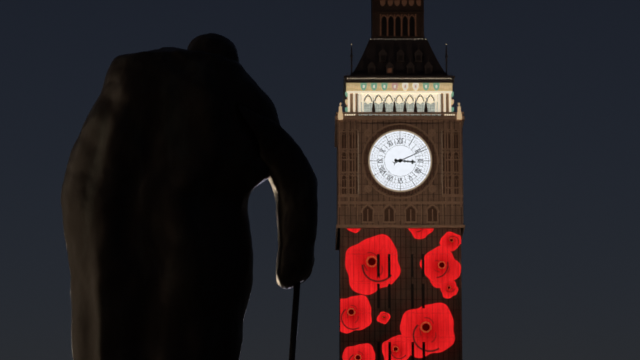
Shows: h=3 m=11
